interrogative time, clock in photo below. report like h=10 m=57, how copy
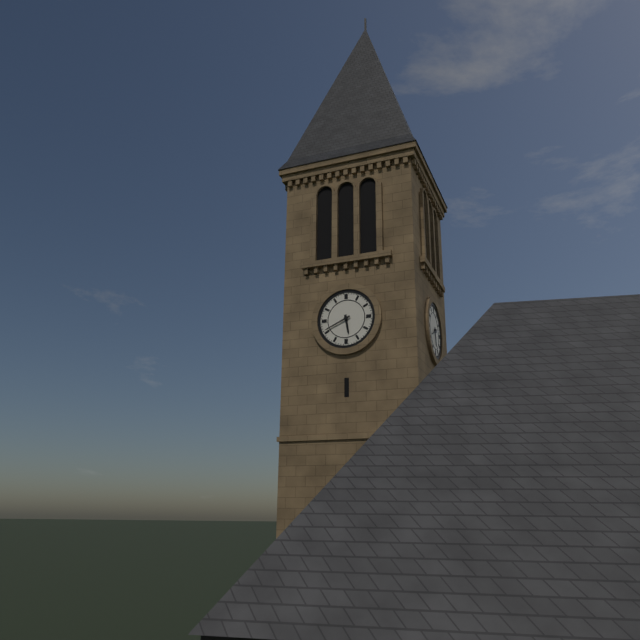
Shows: h=5 m=41
